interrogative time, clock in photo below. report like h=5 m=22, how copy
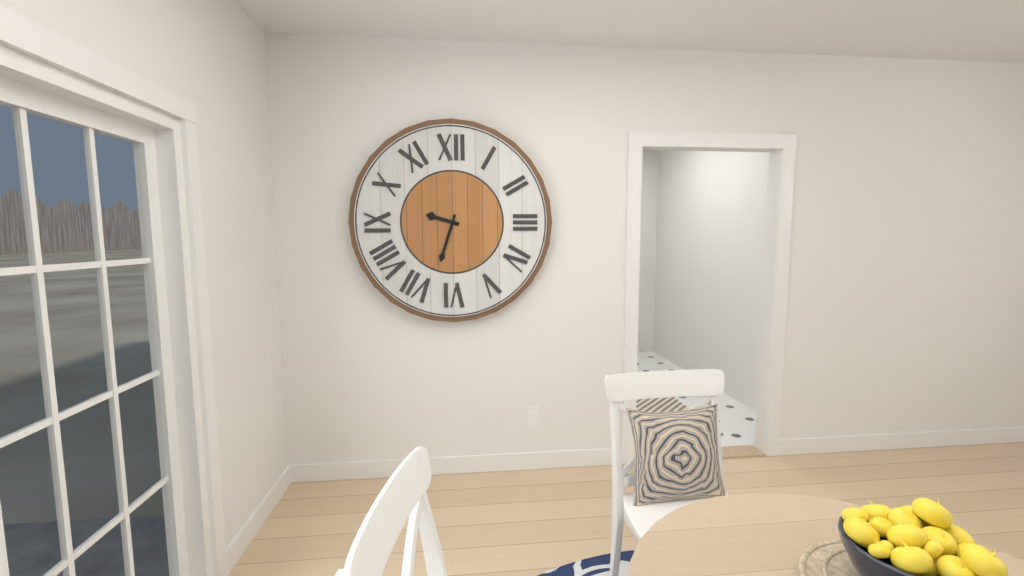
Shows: h=9 m=33
